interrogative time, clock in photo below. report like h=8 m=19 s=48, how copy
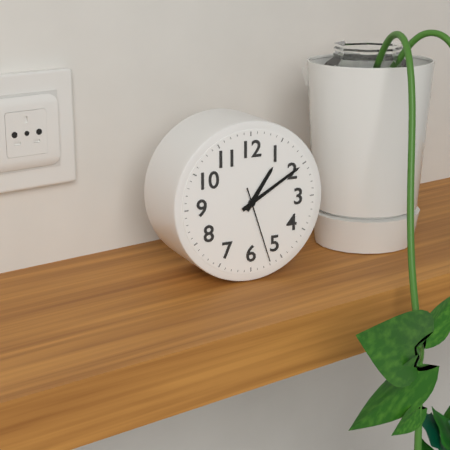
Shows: h=1 m=10 s=27
